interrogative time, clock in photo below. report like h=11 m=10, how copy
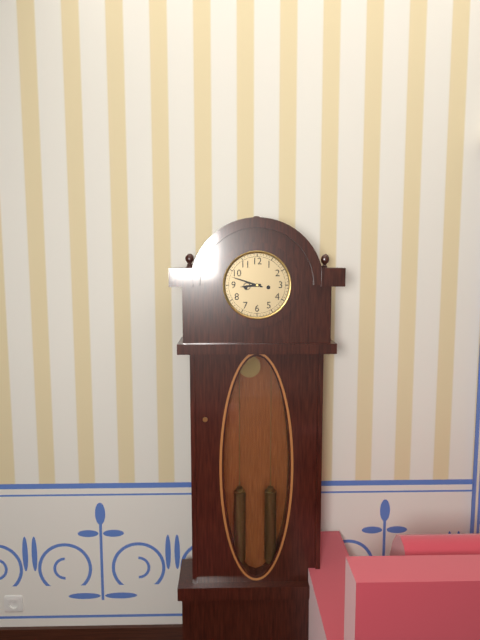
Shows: h=8 m=48
